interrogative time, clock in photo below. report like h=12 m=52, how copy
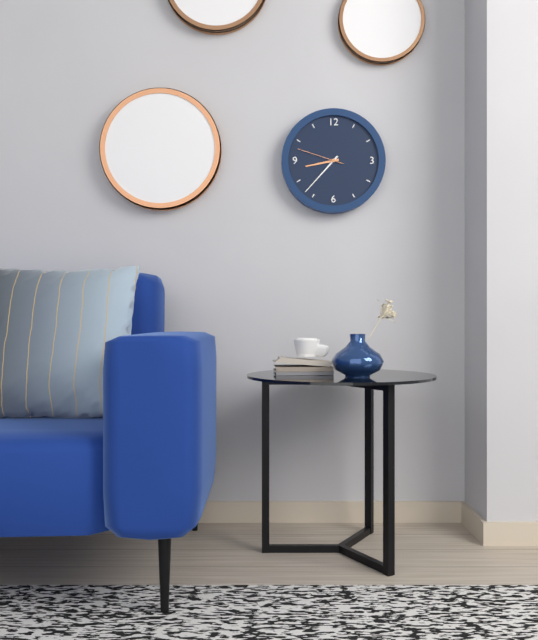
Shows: h=8 m=37
